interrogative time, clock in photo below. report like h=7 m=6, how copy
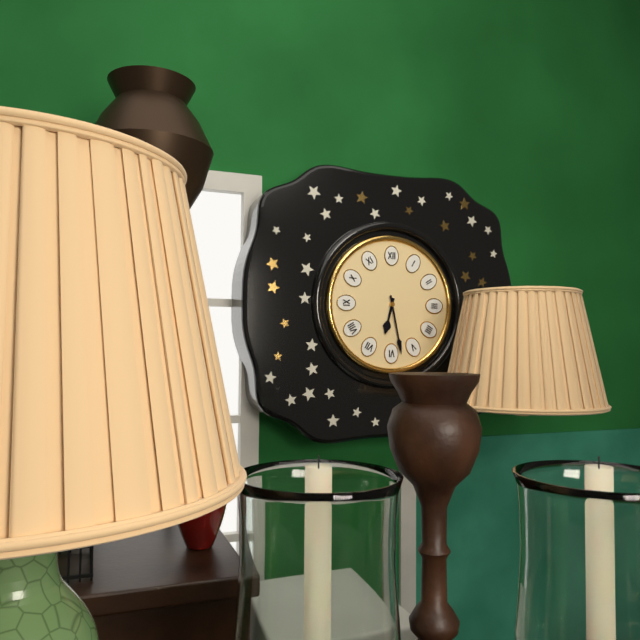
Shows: h=6 m=28
